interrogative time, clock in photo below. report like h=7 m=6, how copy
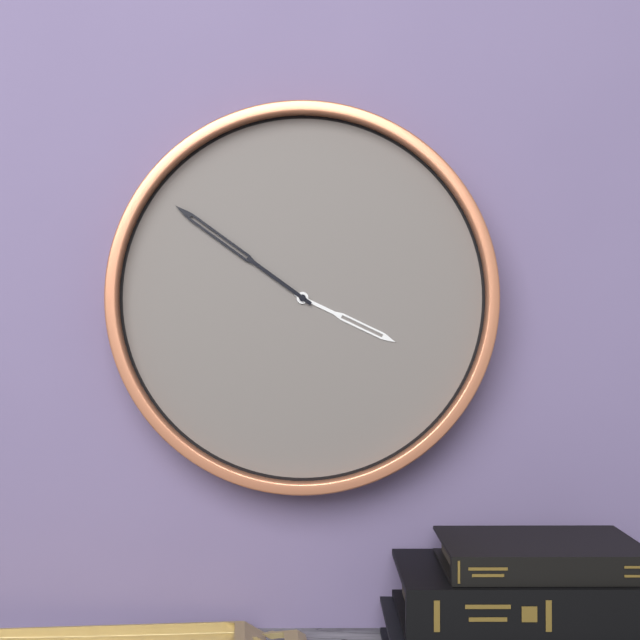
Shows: h=3 m=51
